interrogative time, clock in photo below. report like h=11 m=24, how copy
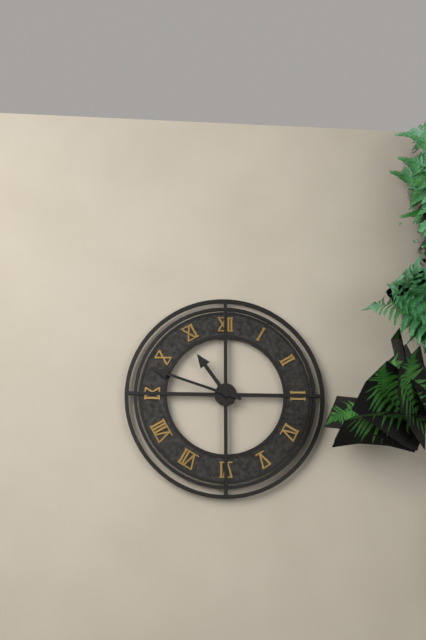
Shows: h=10 m=48
